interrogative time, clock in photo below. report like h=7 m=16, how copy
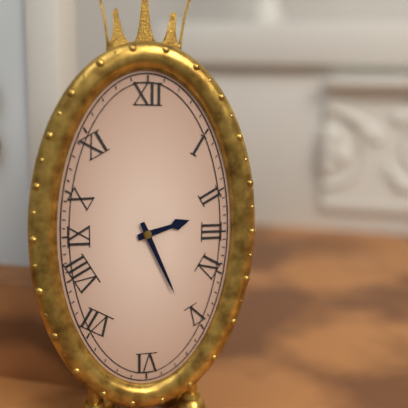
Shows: h=2 m=26
